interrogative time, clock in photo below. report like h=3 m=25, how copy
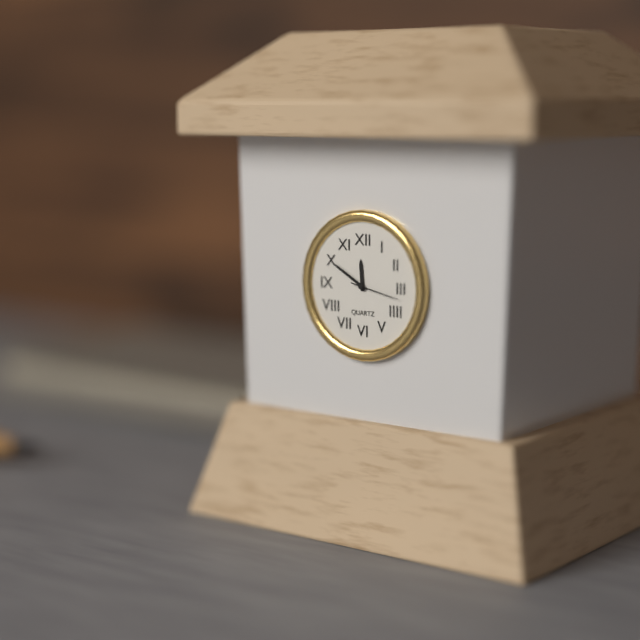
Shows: h=11 m=50
